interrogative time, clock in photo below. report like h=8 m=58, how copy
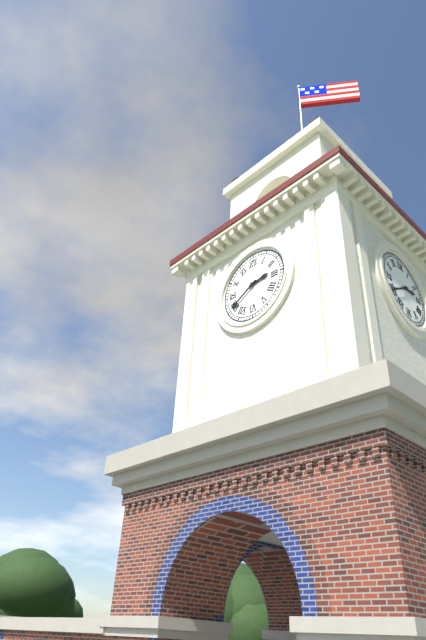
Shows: h=2 m=40
